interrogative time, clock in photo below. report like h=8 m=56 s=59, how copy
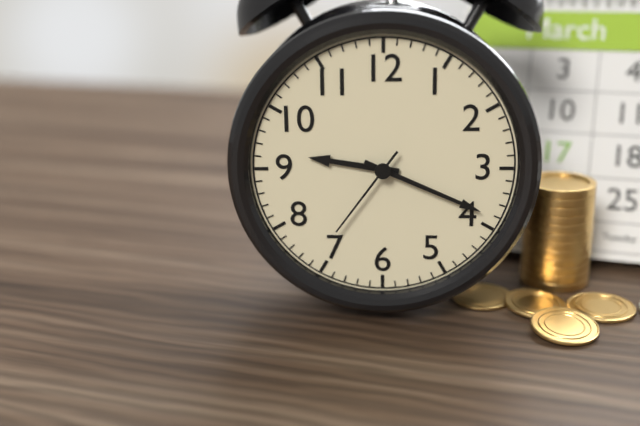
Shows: h=9 m=19 s=36
